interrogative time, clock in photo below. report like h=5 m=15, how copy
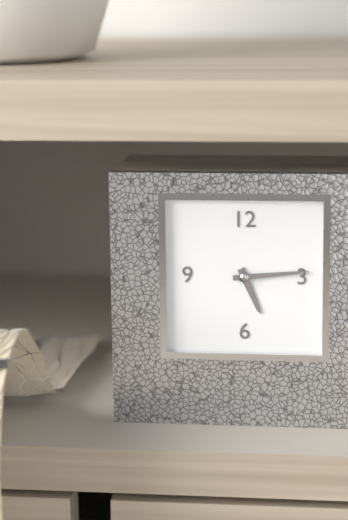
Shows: h=5 m=14
